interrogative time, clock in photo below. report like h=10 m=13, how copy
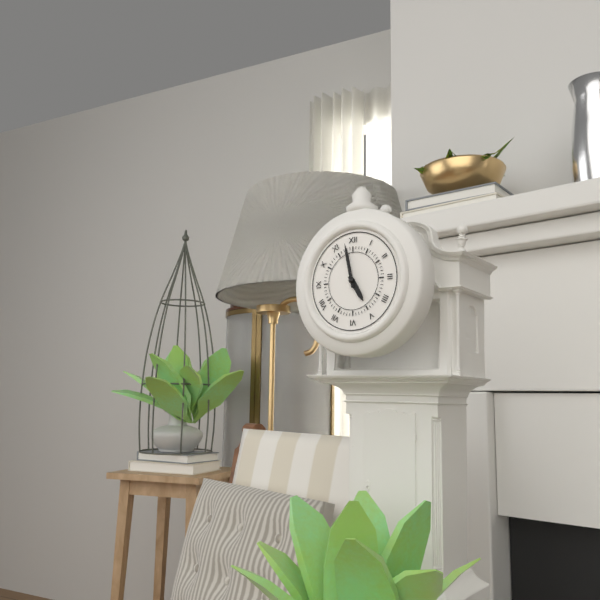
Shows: h=4 m=58
